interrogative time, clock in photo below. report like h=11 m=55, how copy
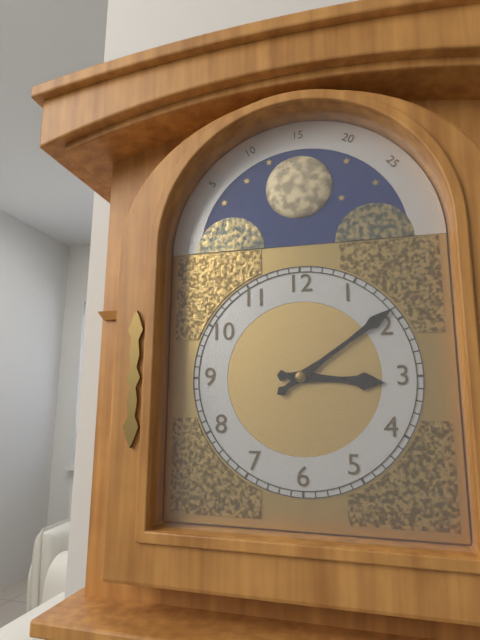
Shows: h=3 m=9
